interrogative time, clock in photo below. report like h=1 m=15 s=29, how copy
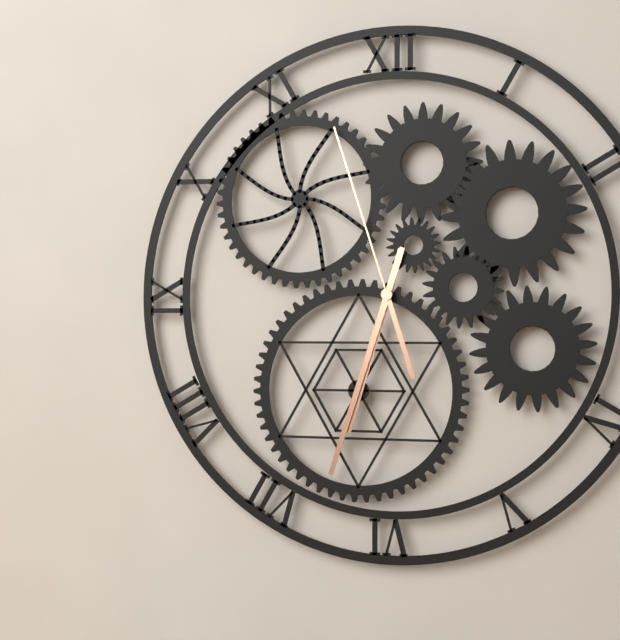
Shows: h=6 m=33 s=57
